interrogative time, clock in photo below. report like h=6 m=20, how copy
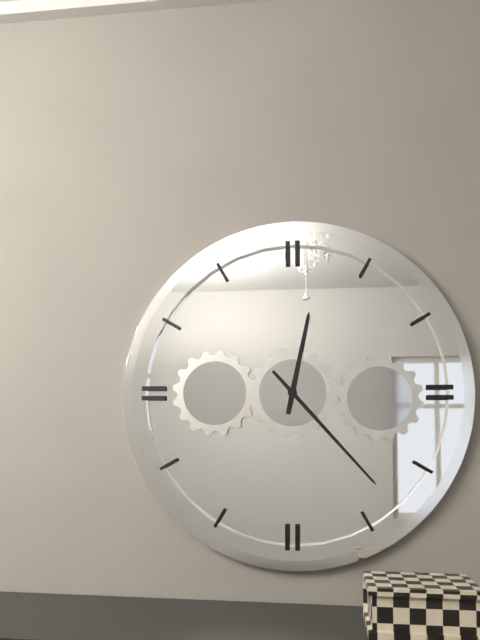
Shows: h=12 m=23
